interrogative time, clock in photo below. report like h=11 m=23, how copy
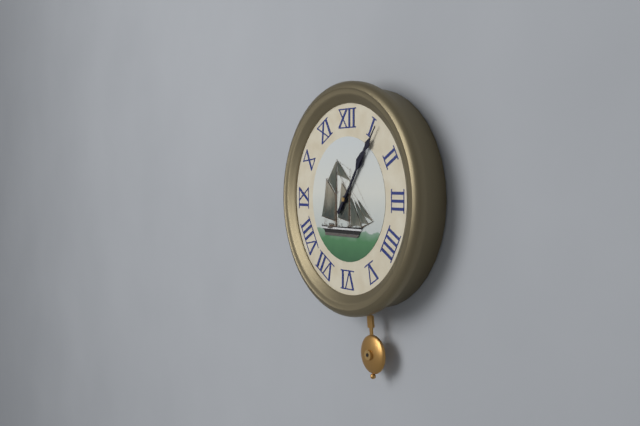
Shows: h=1 m=6
